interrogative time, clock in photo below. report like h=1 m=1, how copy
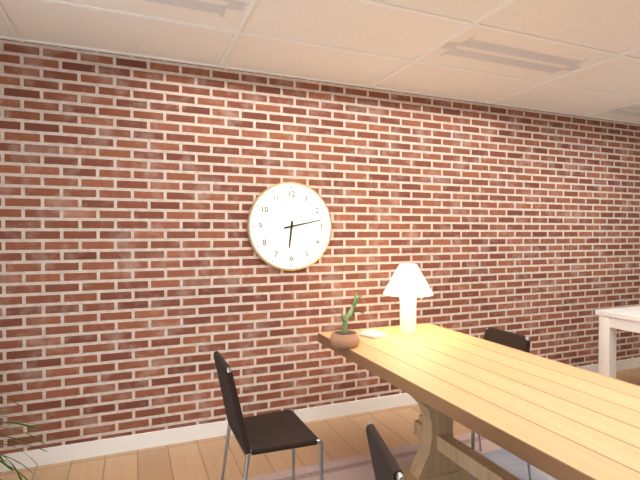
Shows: h=6 m=13
